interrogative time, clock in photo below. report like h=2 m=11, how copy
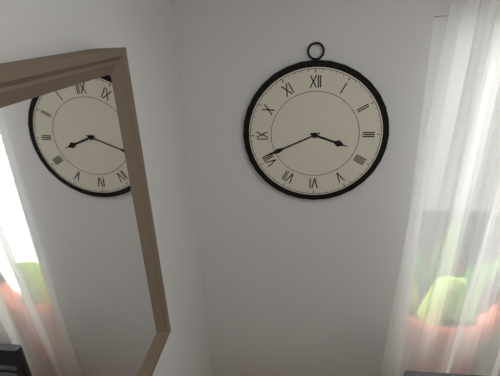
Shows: h=3 m=41
